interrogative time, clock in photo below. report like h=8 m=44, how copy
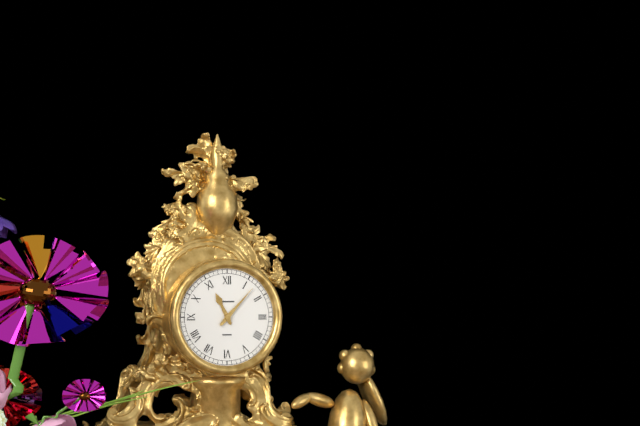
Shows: h=11 m=7
